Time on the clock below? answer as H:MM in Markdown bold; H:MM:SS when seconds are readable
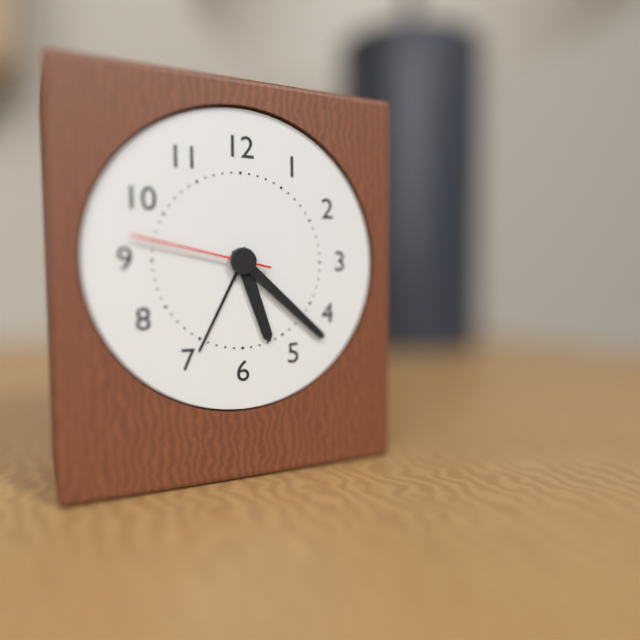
**5:22:47**
